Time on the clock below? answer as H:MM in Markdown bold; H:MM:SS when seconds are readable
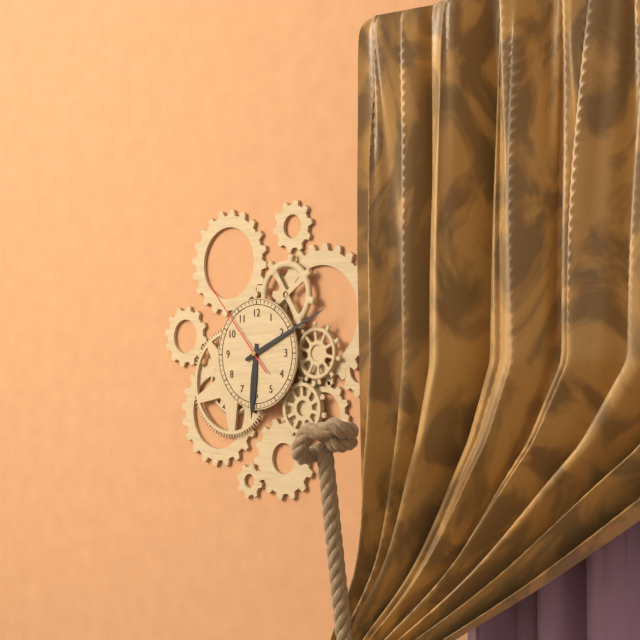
**6:11:53**
